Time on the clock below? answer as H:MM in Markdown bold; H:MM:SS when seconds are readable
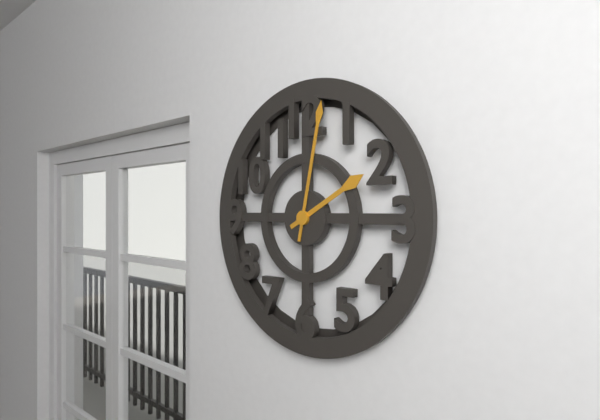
**2:02**
